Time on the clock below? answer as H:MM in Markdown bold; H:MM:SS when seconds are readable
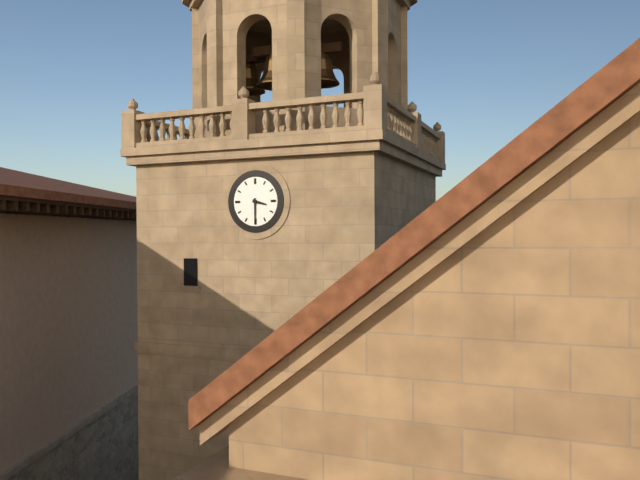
**3:30**
